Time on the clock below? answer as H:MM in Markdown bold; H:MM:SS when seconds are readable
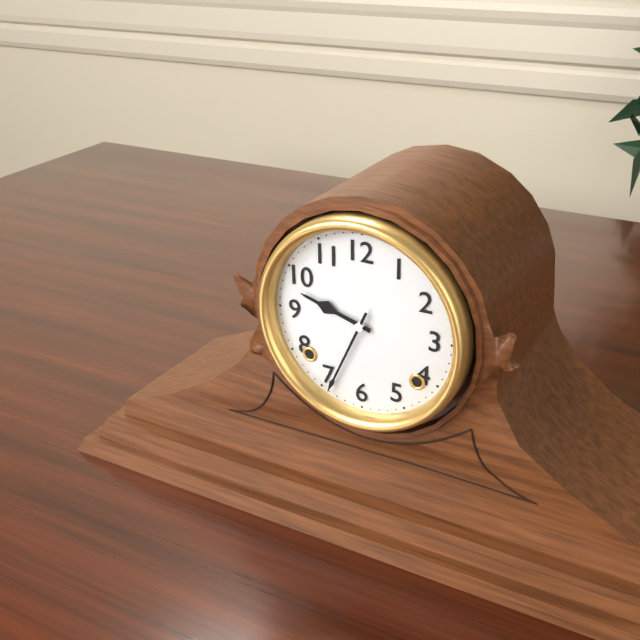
**9:34**
